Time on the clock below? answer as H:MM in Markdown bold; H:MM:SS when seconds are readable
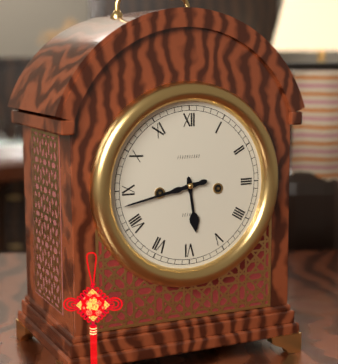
**5:43**
